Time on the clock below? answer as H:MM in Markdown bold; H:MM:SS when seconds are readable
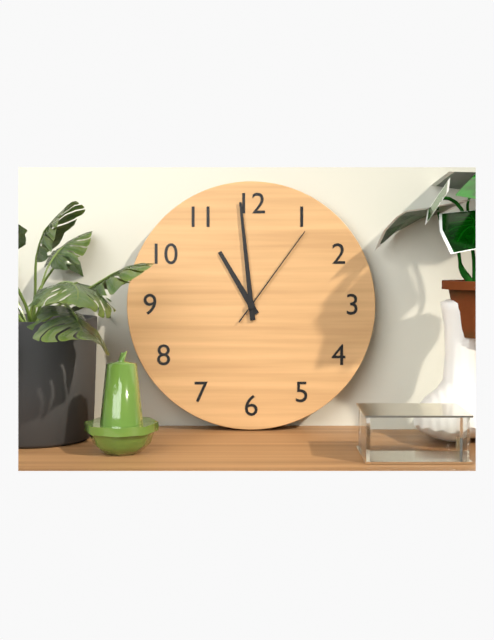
**10:59:06**
